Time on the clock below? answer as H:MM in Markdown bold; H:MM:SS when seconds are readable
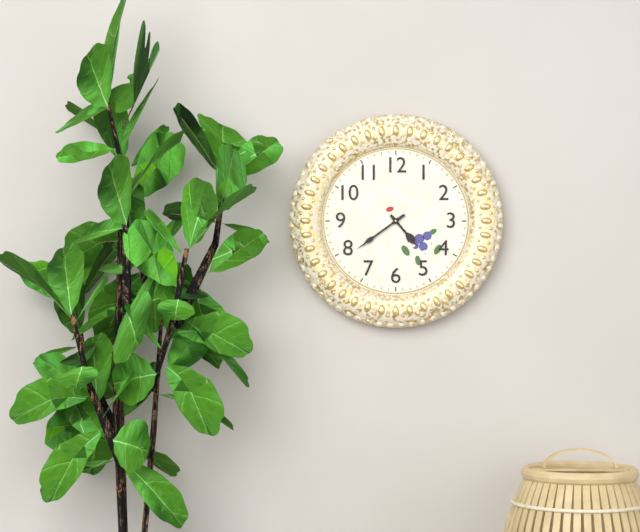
**4:39**
